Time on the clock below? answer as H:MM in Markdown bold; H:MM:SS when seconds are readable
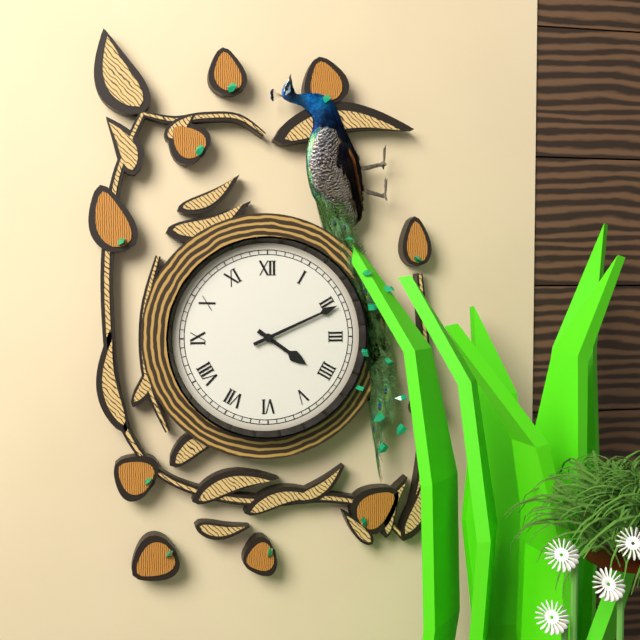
**4:11**
